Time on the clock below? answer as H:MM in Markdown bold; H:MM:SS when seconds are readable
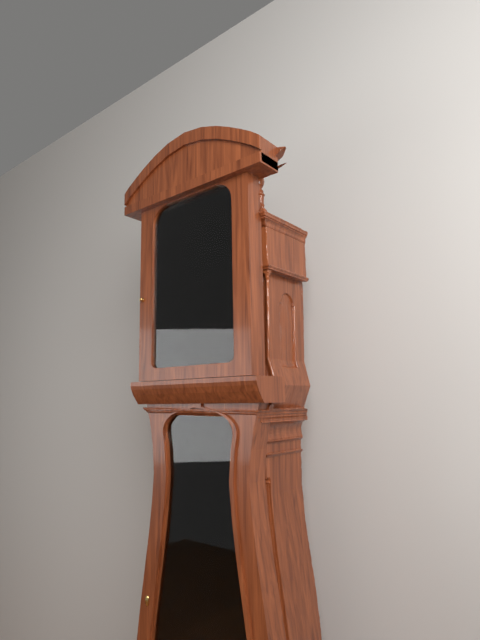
**7:57**
